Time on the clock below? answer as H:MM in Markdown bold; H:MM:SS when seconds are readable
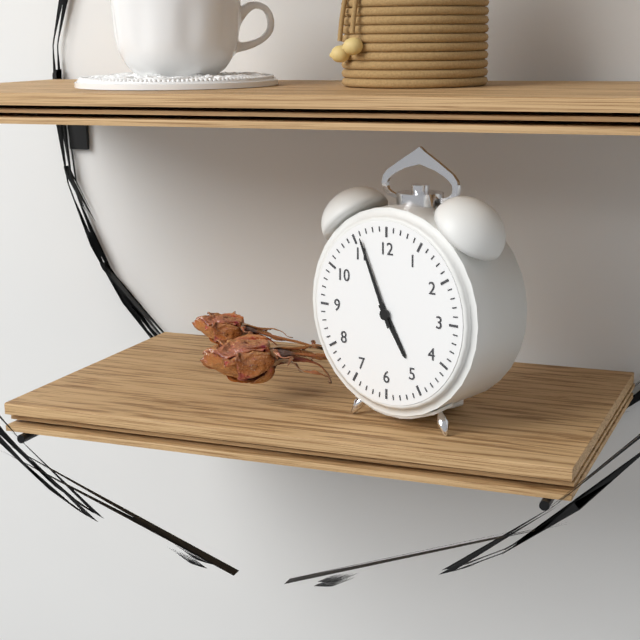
**4:56**
